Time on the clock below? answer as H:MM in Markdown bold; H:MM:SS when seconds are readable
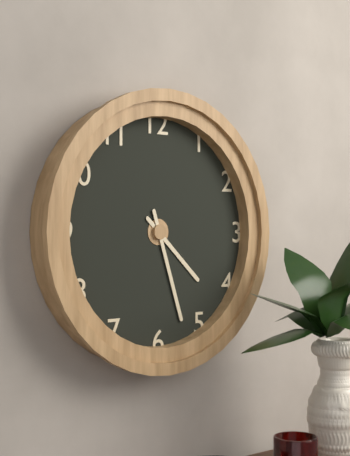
**4:27**
